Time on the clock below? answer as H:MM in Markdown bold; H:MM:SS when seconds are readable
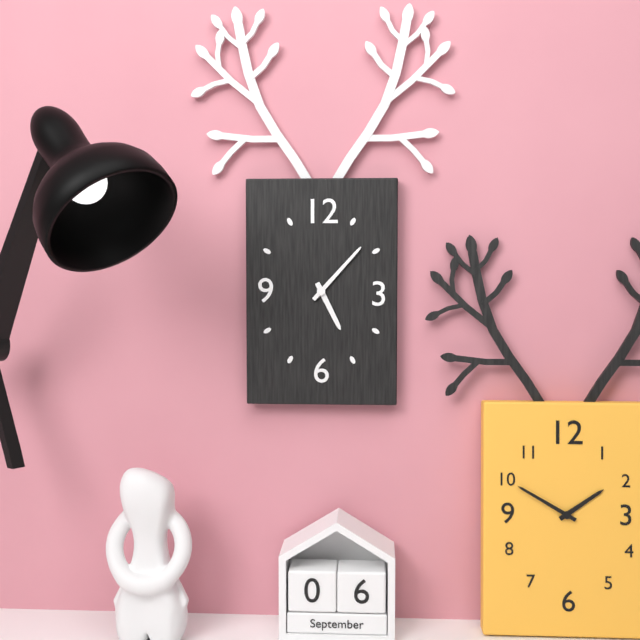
**5:07**
